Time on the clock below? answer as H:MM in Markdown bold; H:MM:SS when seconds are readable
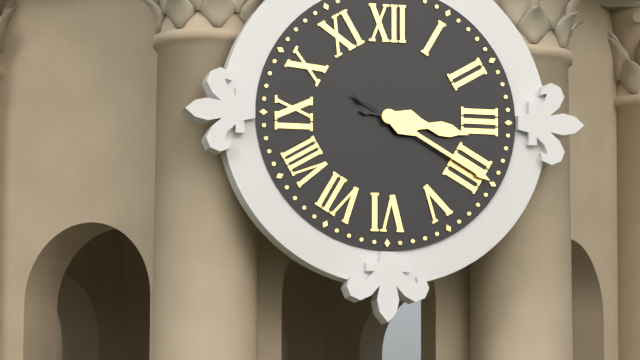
**3:20**
